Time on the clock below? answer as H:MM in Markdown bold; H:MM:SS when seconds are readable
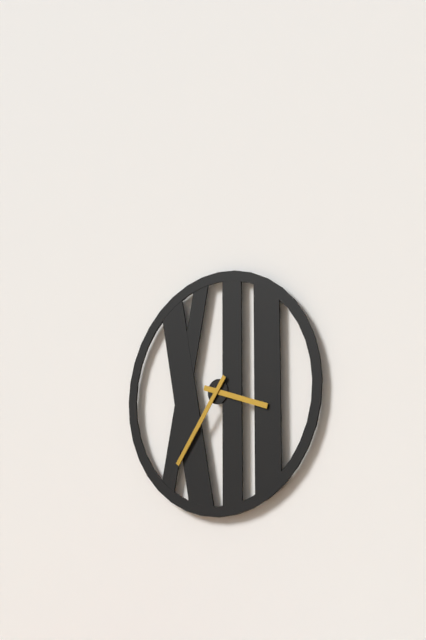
**3:36**
